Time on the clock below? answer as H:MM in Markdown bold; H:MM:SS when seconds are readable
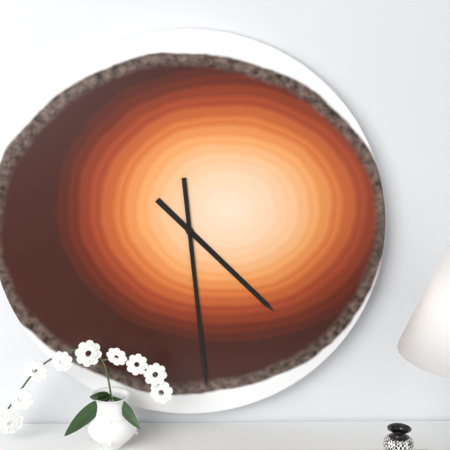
**4:29**
